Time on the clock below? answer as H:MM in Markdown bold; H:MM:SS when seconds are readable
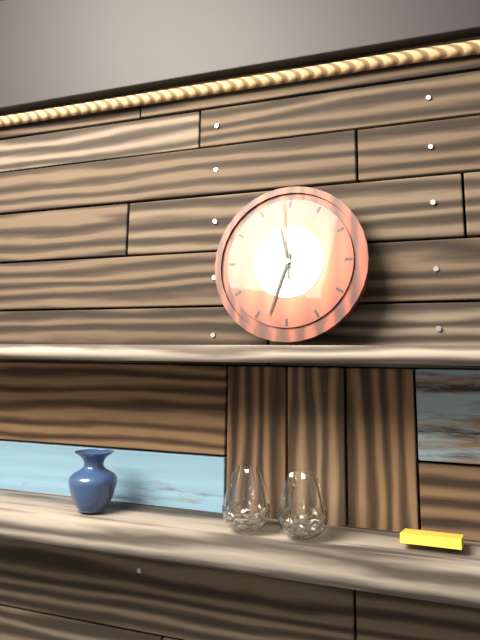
**11:33:59**
